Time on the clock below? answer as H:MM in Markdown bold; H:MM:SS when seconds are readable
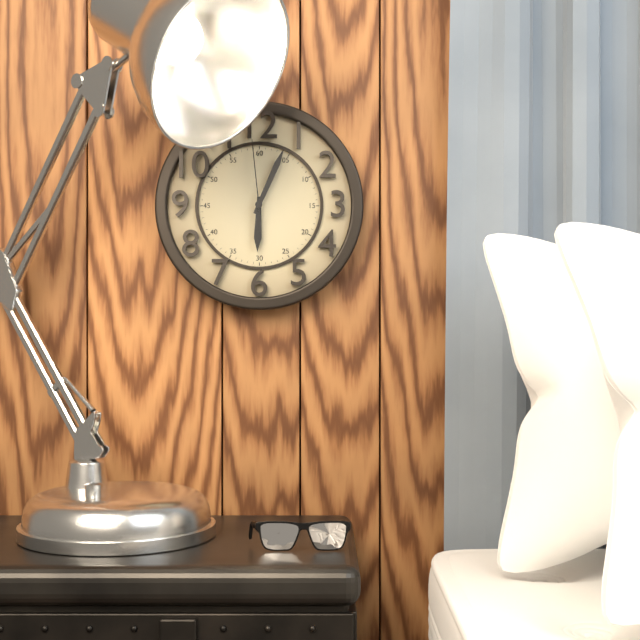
**6:04:59**
